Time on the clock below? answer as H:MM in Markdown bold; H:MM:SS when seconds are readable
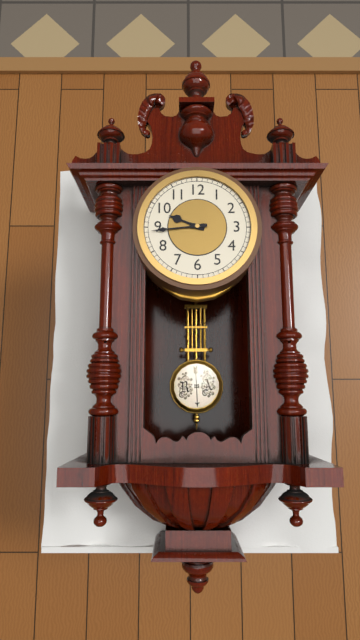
**9:44**
